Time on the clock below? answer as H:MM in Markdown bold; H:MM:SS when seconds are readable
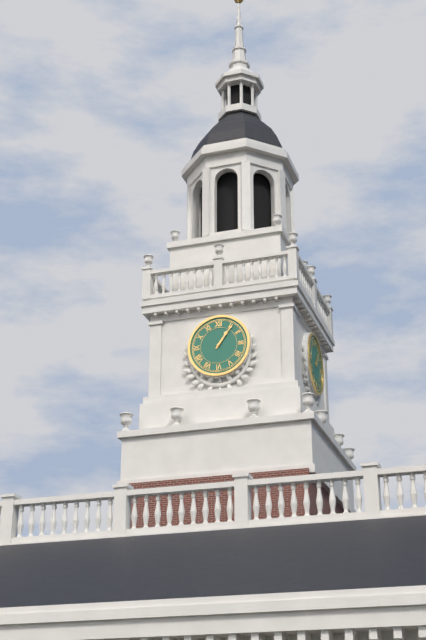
**1:06**
